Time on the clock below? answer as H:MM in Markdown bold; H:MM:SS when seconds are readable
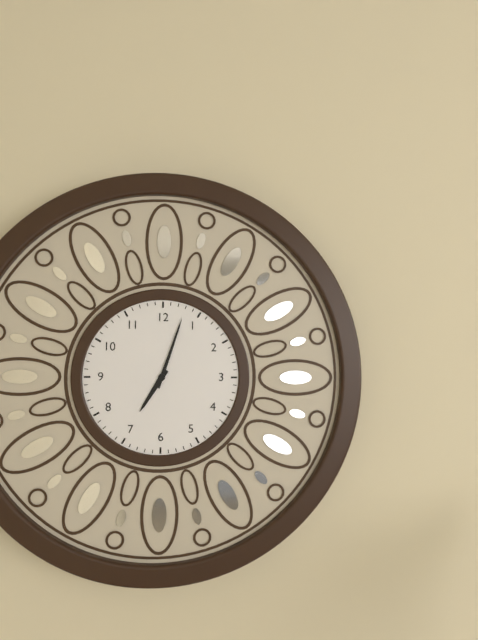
**7:03**
